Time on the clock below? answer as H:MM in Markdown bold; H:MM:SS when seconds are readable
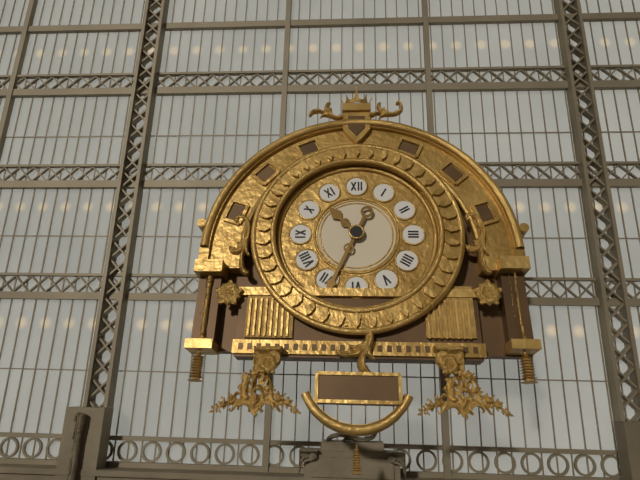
**10:34**
